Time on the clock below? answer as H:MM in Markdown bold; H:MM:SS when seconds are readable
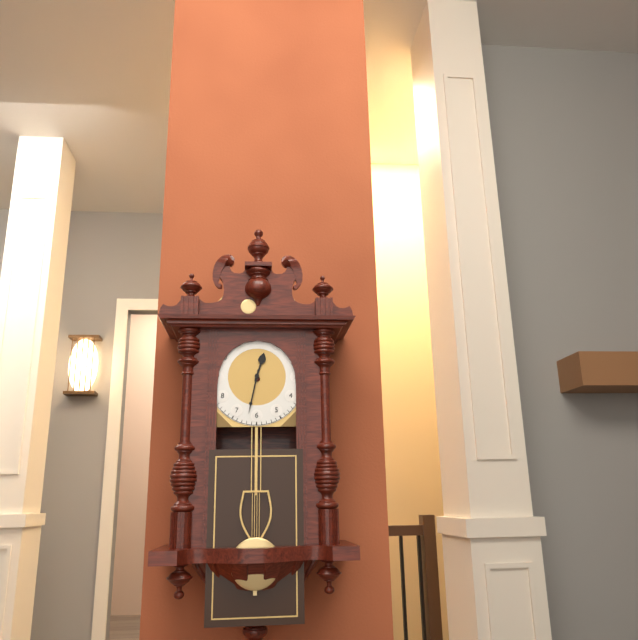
**12:32**
